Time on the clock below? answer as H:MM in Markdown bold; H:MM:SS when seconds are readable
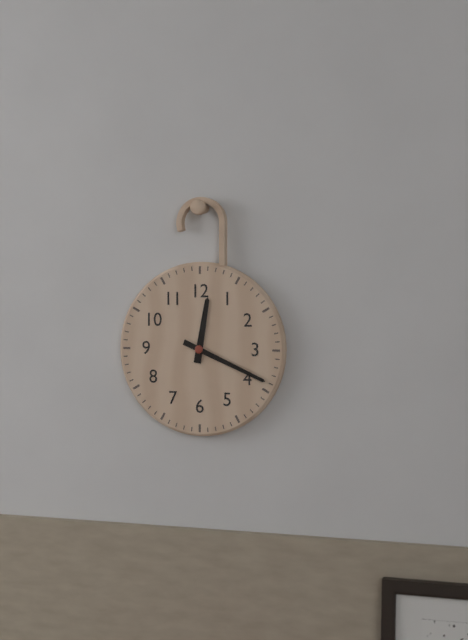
**12:19**
